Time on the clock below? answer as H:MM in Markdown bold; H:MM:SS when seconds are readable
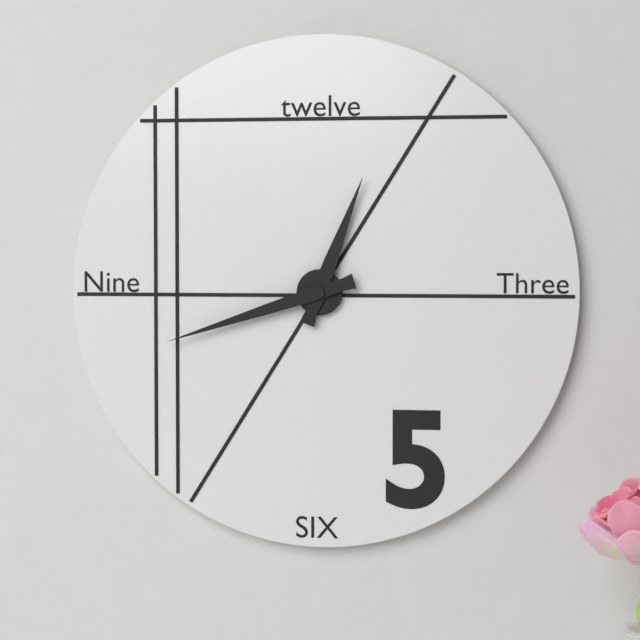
**12:42**
